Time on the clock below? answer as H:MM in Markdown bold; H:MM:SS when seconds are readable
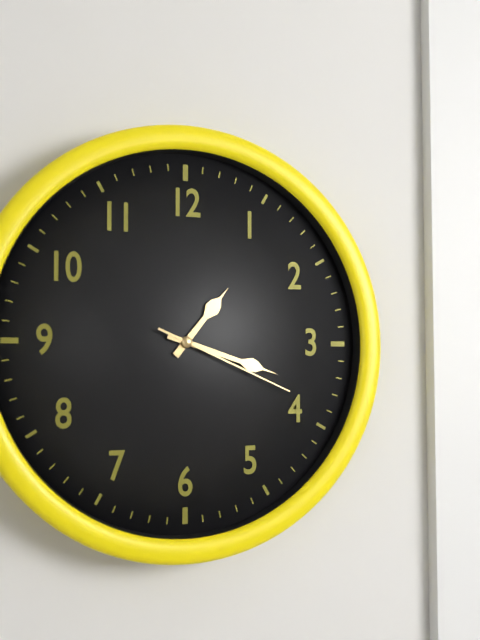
**1:18:19**
